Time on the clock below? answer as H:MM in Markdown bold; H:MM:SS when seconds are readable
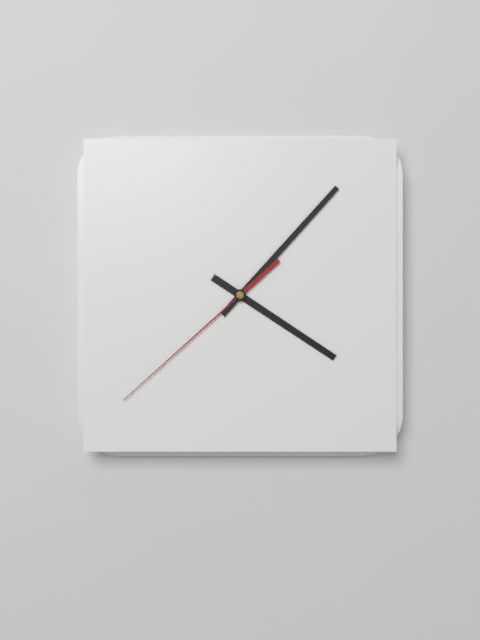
**4:07:38**
